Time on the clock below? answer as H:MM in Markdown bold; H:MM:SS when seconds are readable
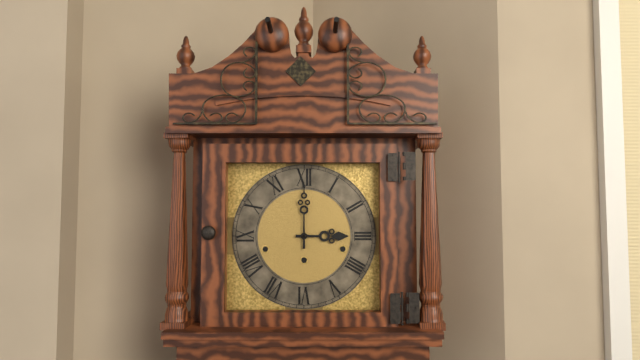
**3:00**
